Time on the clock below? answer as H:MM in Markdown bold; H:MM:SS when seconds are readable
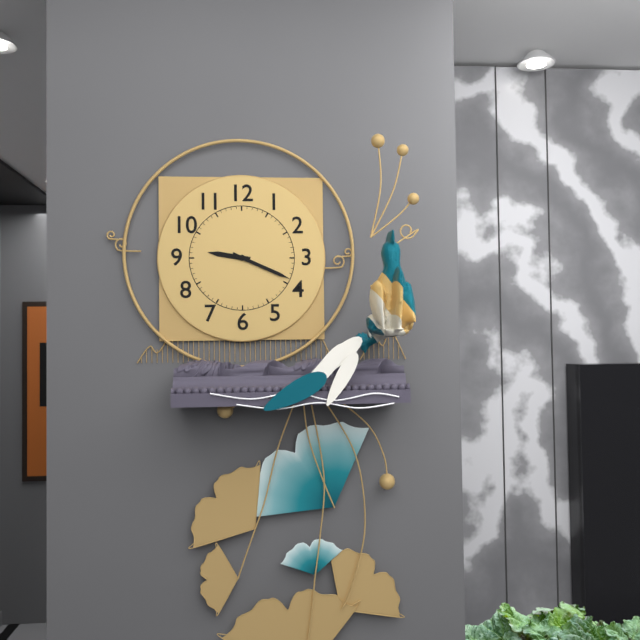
**9:19**
